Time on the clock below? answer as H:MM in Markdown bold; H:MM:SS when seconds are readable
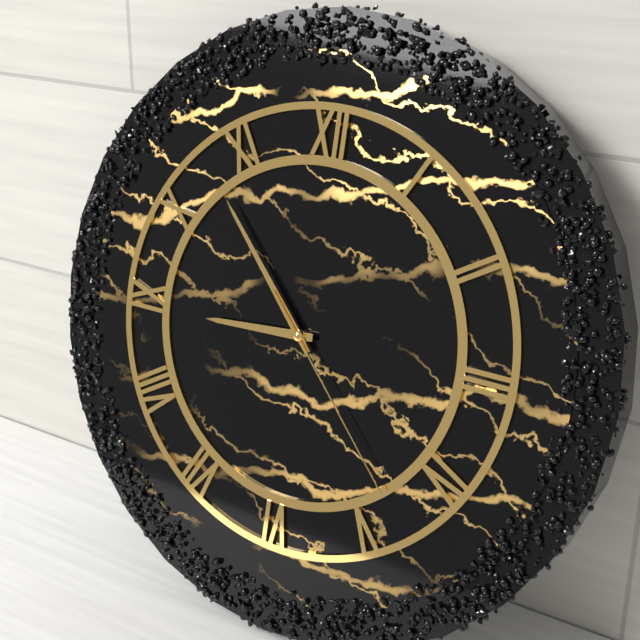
**8:53:23**
